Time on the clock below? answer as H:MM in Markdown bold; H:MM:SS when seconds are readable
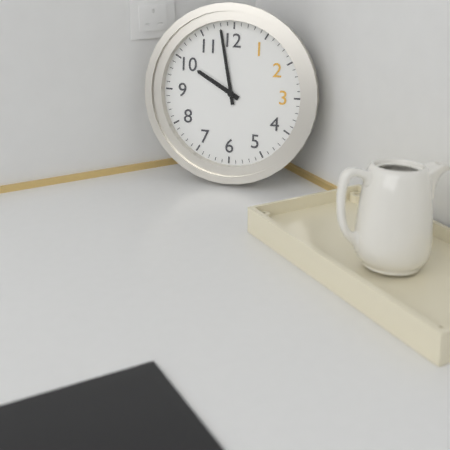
**9:58**
